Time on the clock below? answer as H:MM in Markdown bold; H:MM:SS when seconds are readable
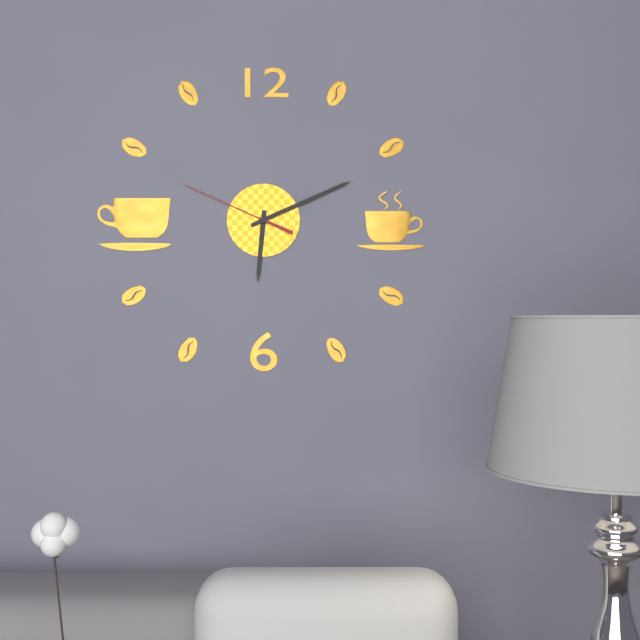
**6:11:49**
